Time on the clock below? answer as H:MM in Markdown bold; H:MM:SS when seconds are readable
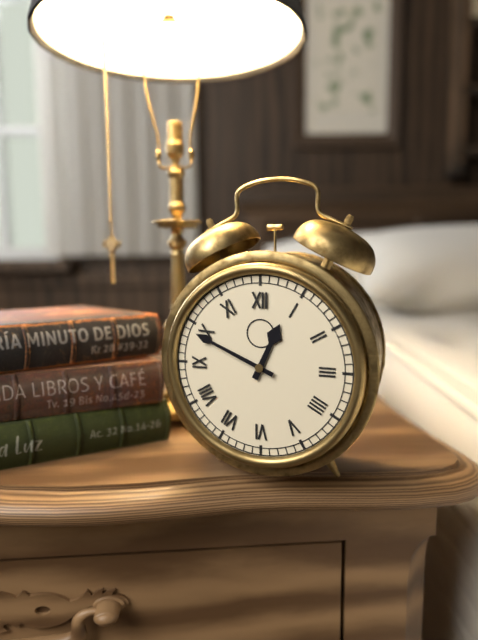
**12:49**
